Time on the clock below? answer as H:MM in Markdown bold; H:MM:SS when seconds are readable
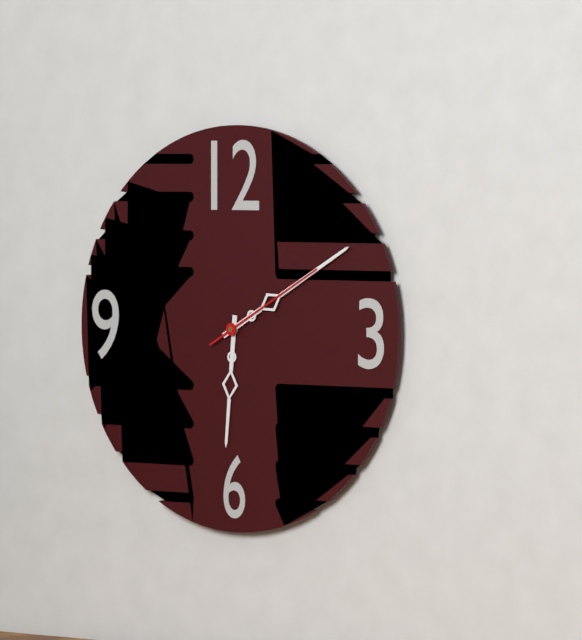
**6:10:10**
